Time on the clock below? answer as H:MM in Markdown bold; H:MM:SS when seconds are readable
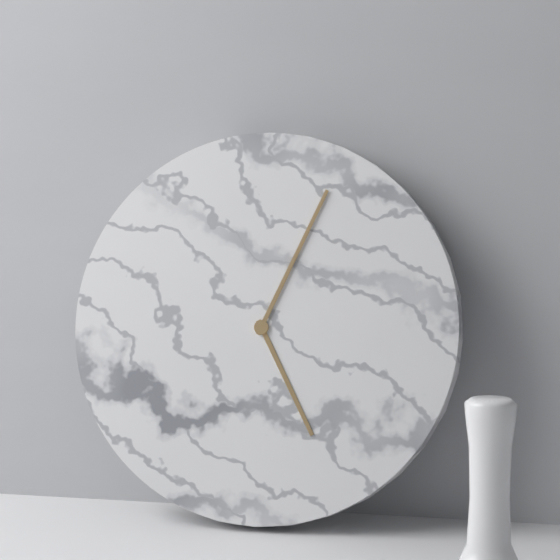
**5:04**
